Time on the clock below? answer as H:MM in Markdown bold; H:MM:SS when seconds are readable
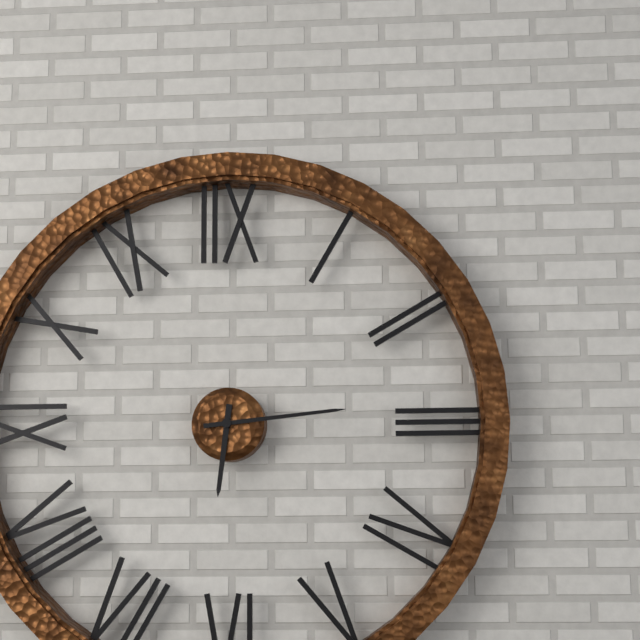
**6:14**
